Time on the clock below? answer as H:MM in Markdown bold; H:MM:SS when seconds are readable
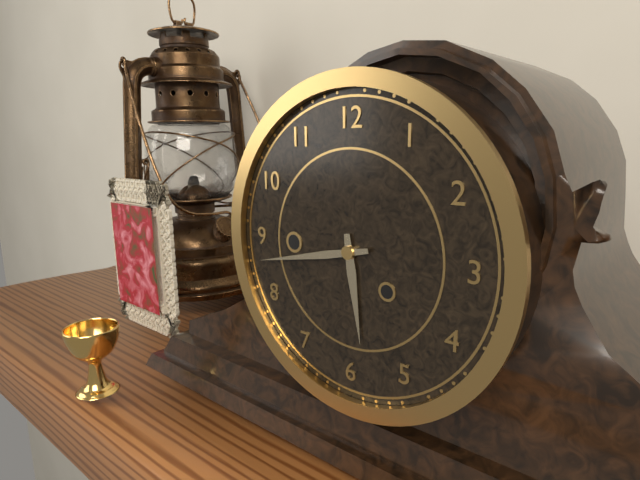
**5:43**
